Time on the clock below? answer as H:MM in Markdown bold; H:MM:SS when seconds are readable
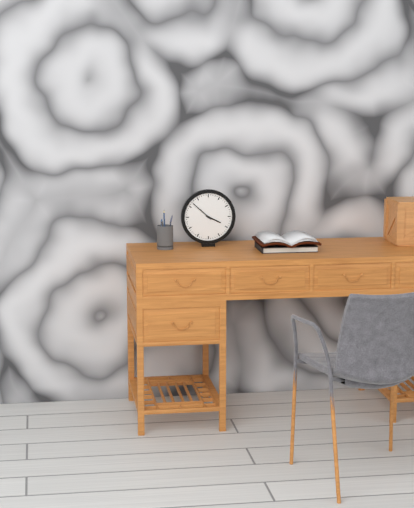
**3:52**
